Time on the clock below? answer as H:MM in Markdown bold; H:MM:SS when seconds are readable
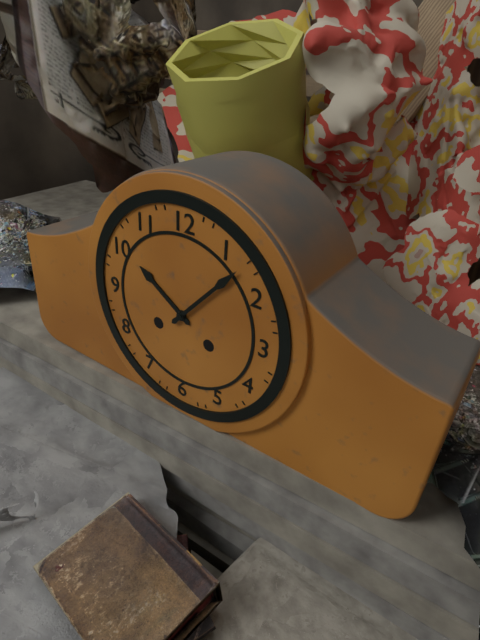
**10:07**
